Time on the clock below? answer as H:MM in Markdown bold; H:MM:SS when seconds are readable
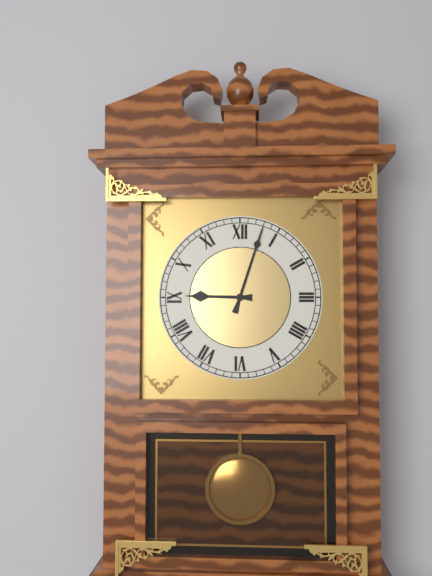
**9:03**
